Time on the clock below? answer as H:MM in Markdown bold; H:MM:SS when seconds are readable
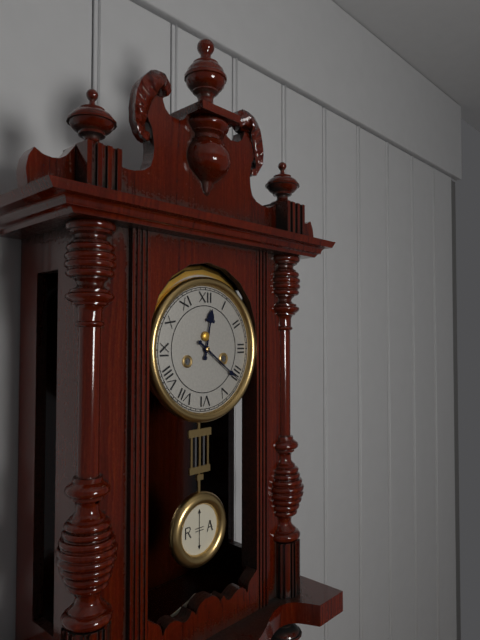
**12:21**
